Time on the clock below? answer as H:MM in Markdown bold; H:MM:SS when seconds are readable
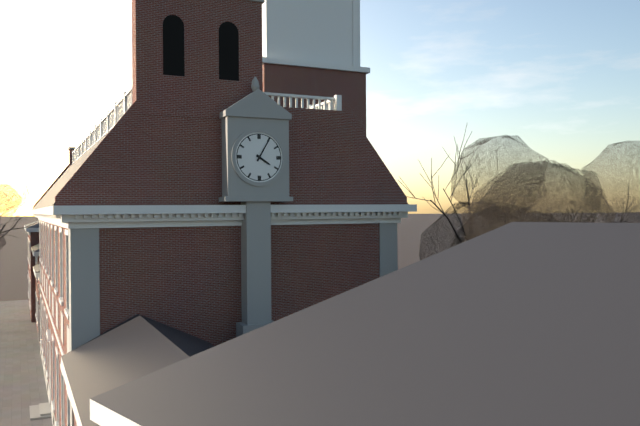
**4:05**
